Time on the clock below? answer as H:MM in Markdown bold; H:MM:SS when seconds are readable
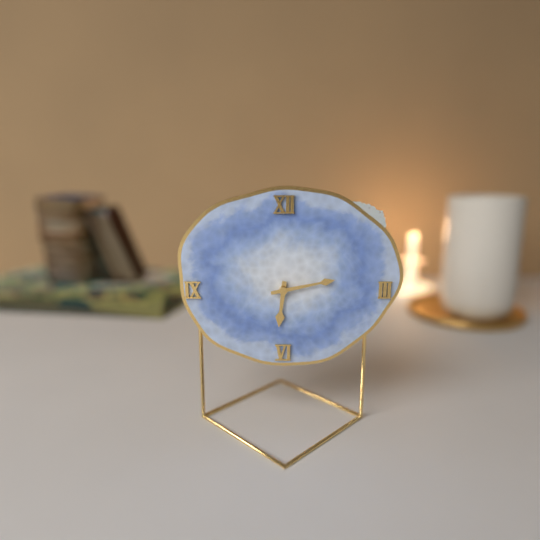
**6:13**
